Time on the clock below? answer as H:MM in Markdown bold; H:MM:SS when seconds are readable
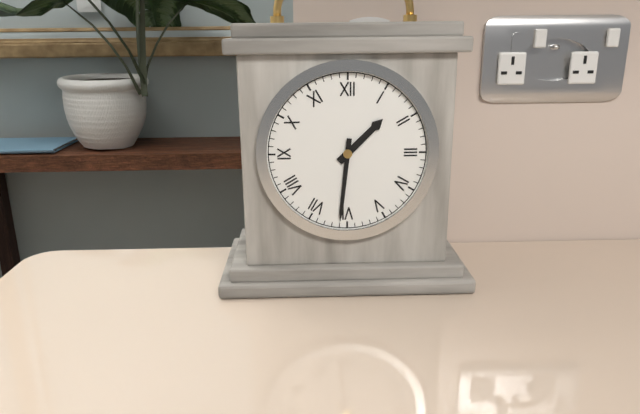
**1:31**
